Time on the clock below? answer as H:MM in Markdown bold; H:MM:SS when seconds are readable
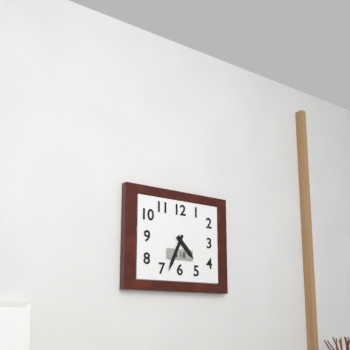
**4:34**
